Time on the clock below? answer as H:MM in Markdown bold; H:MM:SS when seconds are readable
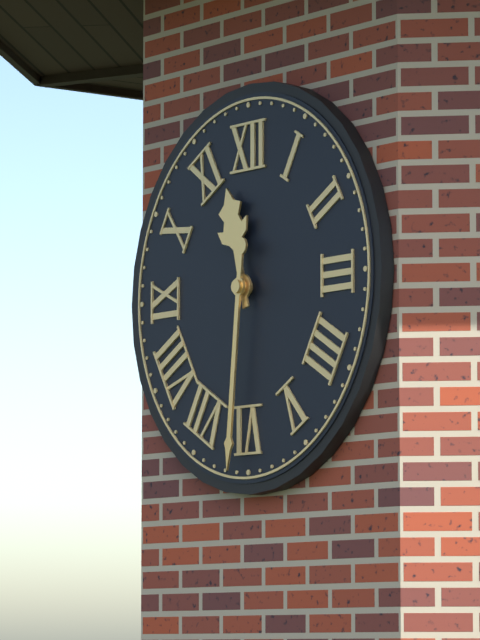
**11:31**
